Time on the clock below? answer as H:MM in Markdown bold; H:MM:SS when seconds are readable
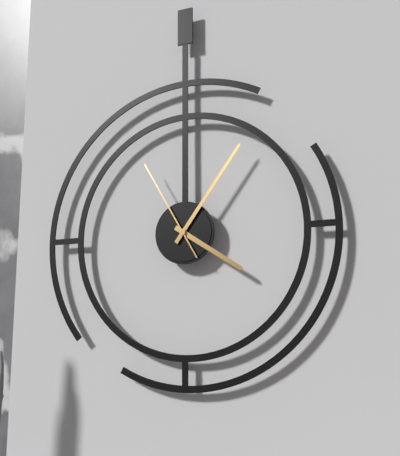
**4:06:55**
